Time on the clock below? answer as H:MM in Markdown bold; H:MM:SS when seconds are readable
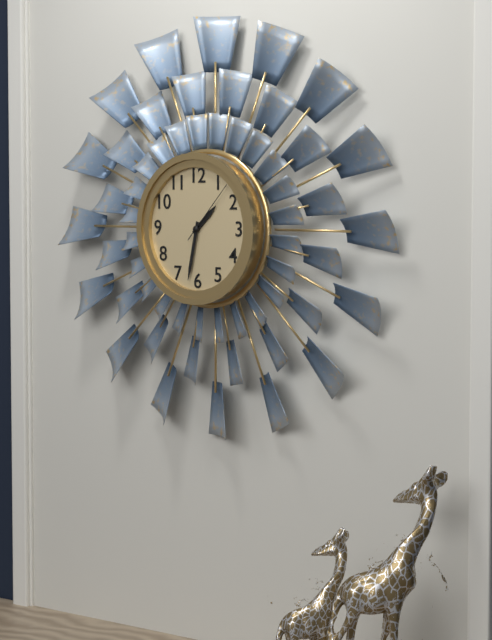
**1:32:07**
